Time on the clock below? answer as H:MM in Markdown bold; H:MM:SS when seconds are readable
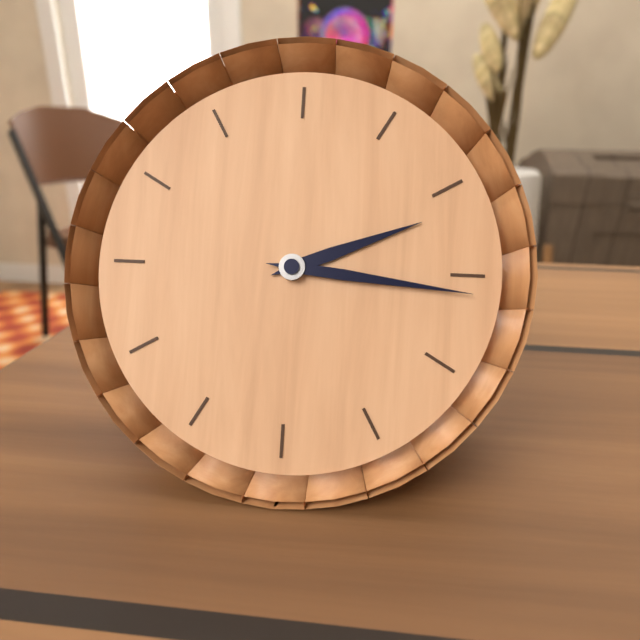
**2:16**
